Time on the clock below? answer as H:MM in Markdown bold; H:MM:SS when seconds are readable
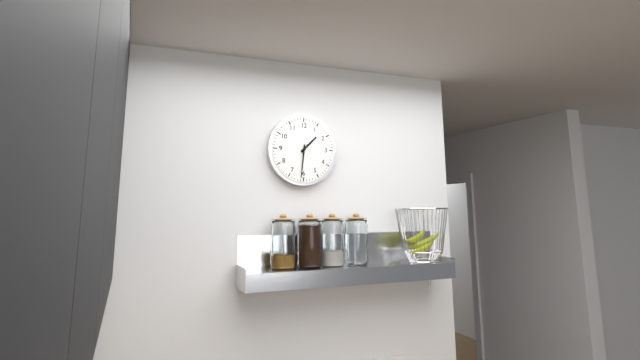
**1:31**
